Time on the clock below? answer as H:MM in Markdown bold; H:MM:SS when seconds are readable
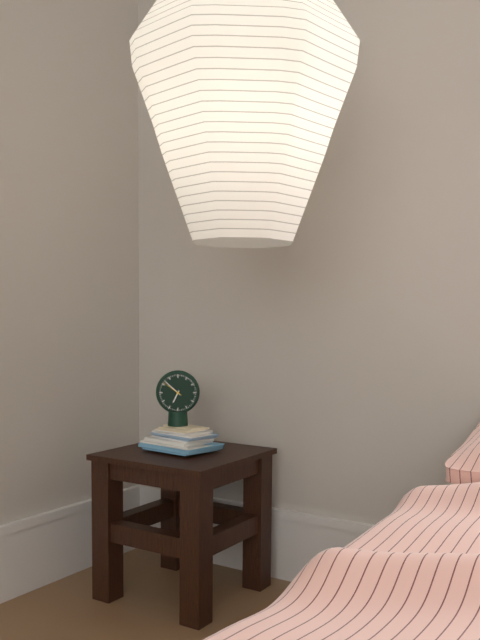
**6:52**
